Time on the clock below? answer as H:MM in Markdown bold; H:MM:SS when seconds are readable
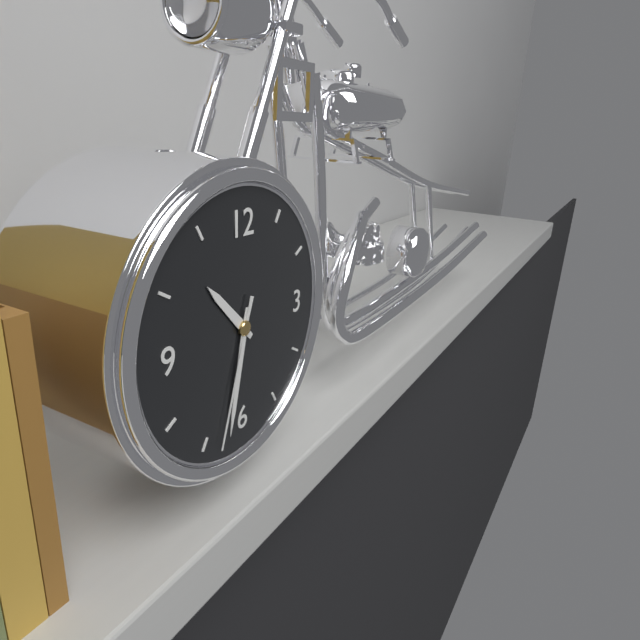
**10:32:33**
